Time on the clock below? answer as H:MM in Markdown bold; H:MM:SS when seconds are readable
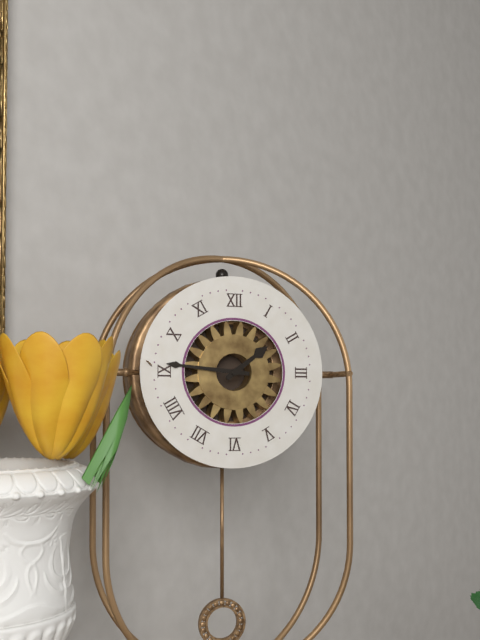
**1:46**
